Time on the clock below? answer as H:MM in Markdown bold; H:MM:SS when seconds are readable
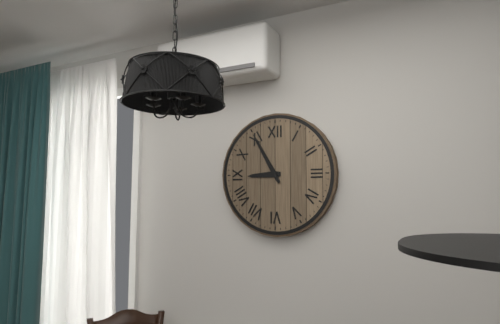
**8:55**
